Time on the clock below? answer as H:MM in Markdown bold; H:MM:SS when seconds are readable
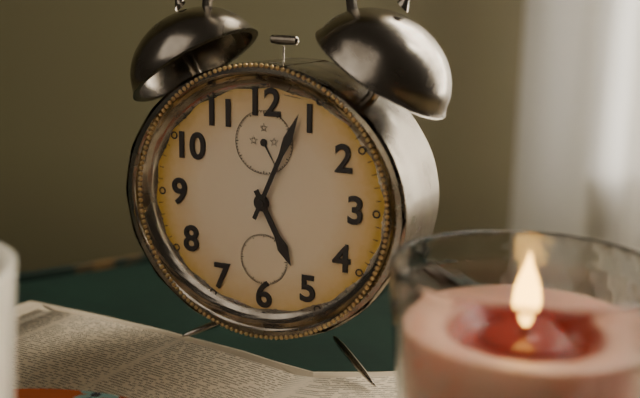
**5:04**
